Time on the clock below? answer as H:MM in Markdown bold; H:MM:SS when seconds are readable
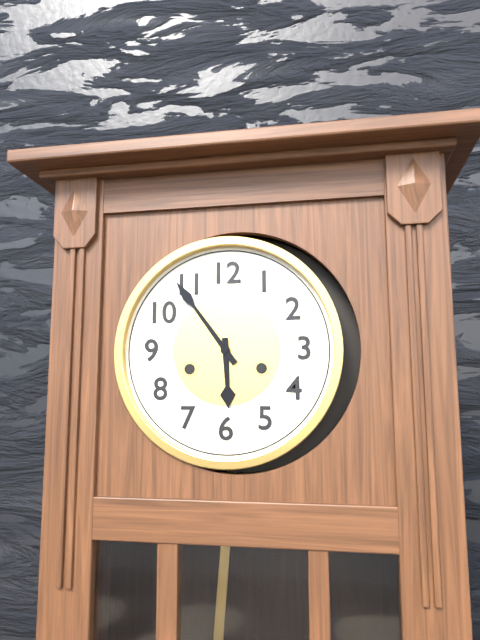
**5:54**
